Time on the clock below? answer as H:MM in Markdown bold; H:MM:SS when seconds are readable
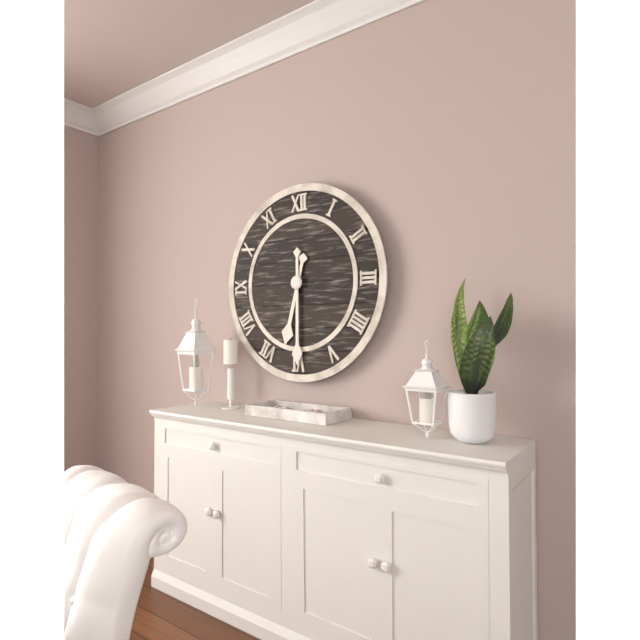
**6:30**
